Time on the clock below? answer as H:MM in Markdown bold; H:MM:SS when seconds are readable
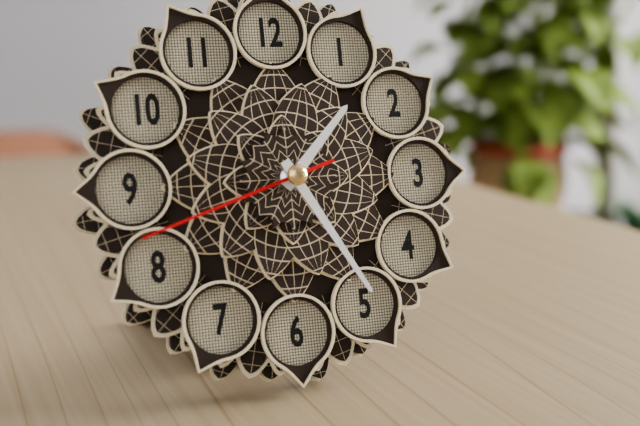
**1:25:42**
